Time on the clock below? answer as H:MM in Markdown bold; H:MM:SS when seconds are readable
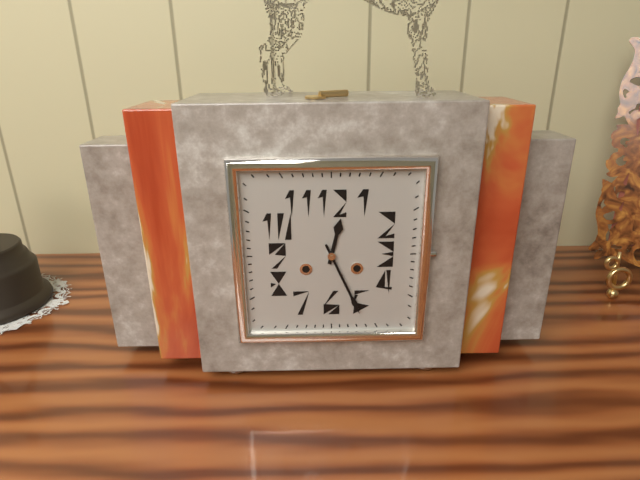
**12:26**
